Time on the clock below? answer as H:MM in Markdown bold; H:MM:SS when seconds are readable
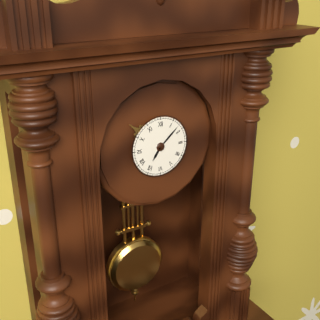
**7:08**
